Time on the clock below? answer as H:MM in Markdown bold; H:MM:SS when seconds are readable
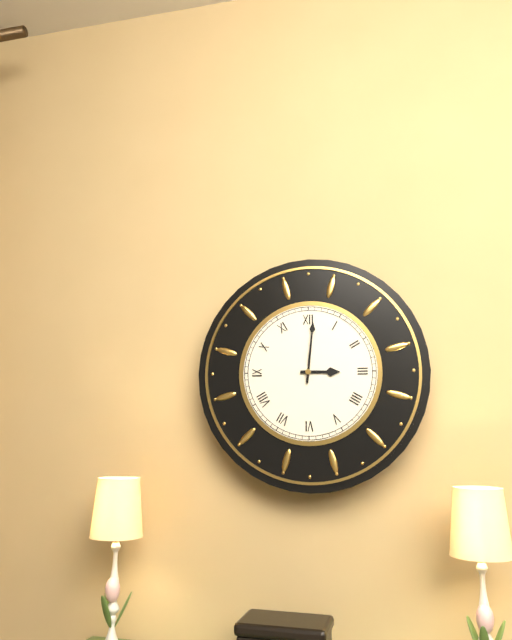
**3:01**
